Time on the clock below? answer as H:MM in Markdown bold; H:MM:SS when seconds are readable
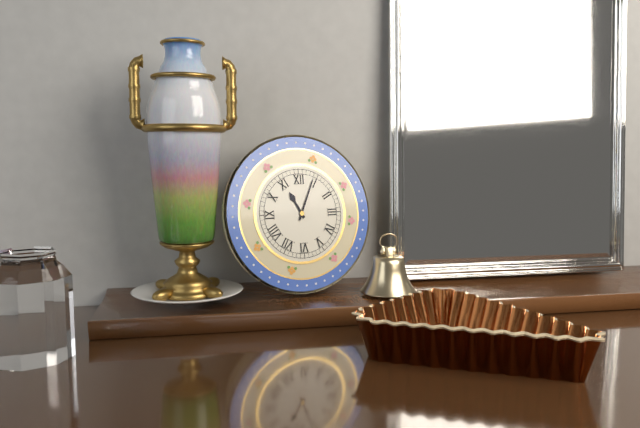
**11:04**
